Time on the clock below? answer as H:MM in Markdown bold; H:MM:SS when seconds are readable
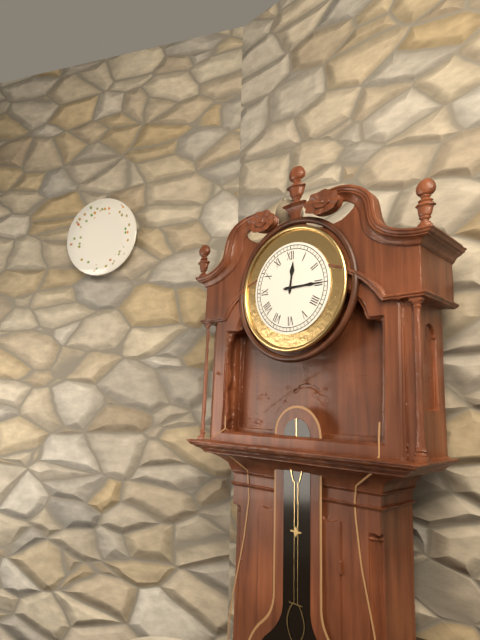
**12:15**
